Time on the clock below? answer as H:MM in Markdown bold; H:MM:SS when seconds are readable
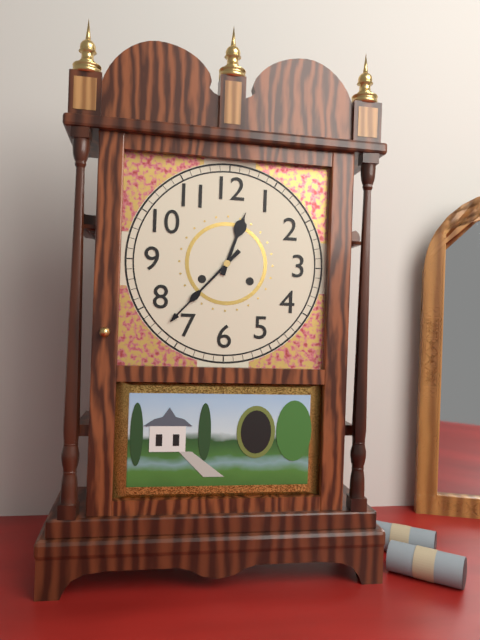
**12:37**
